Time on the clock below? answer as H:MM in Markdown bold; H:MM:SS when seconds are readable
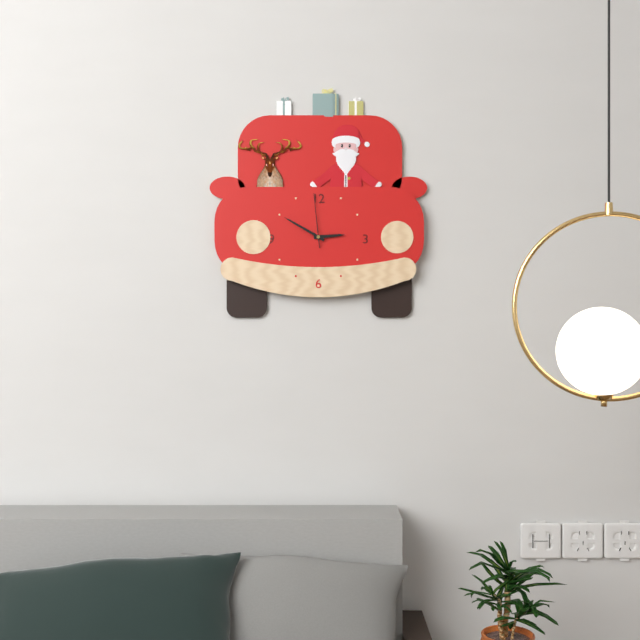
**2:50:59**
